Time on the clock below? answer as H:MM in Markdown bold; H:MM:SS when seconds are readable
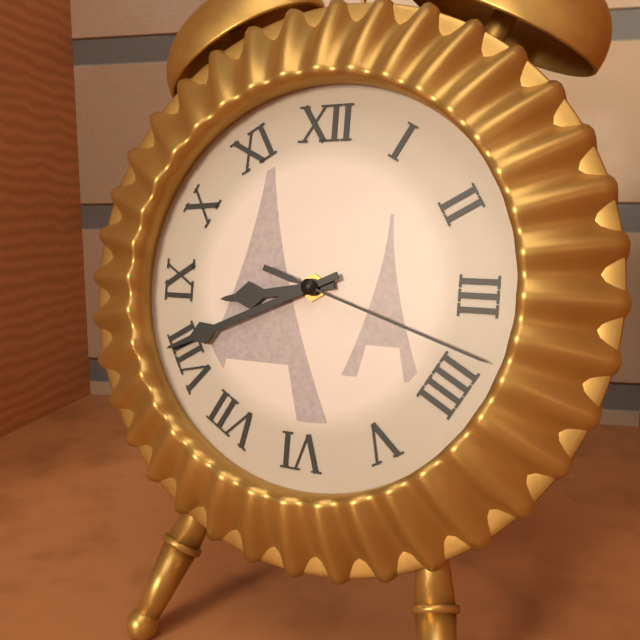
**8:41:18**
